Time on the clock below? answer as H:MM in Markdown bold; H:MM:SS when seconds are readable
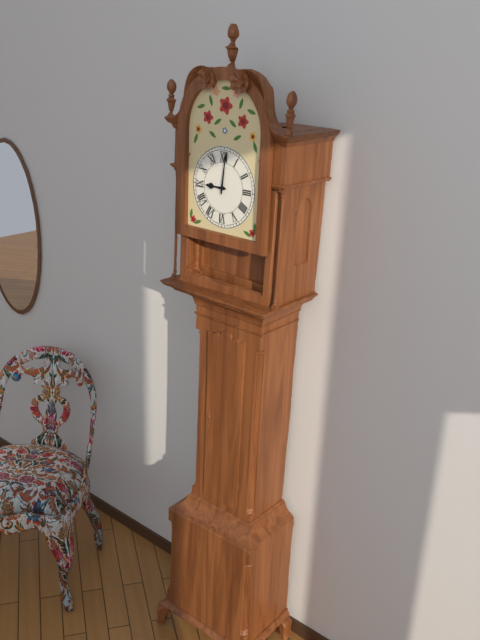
**9:01**
